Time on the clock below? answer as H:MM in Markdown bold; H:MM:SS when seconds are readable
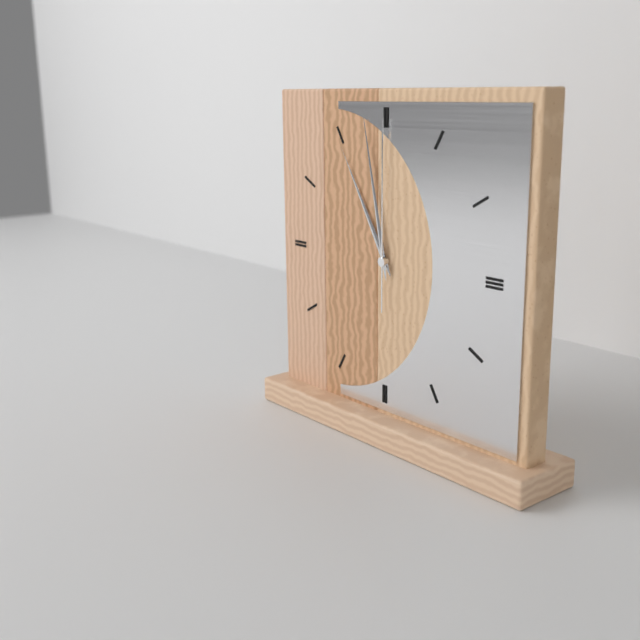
**10:58:00**
